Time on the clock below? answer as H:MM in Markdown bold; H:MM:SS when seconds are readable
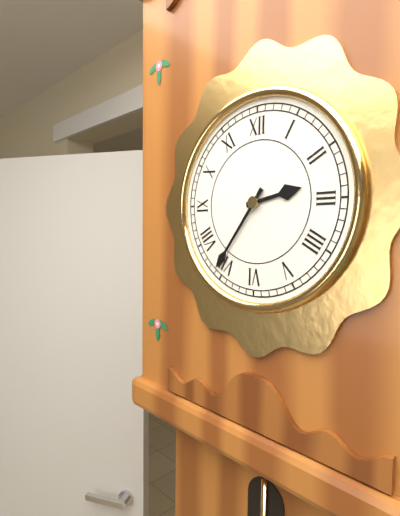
**2:36**
